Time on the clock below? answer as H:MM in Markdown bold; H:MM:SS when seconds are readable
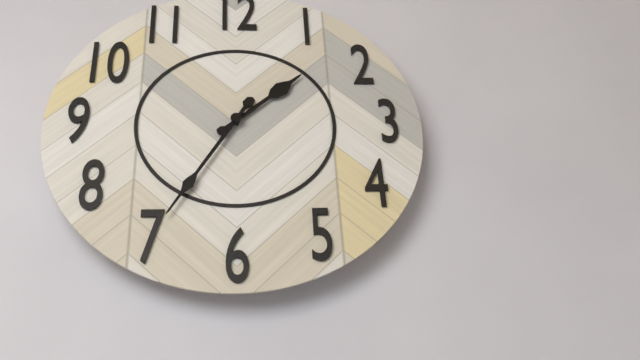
**1:35**
